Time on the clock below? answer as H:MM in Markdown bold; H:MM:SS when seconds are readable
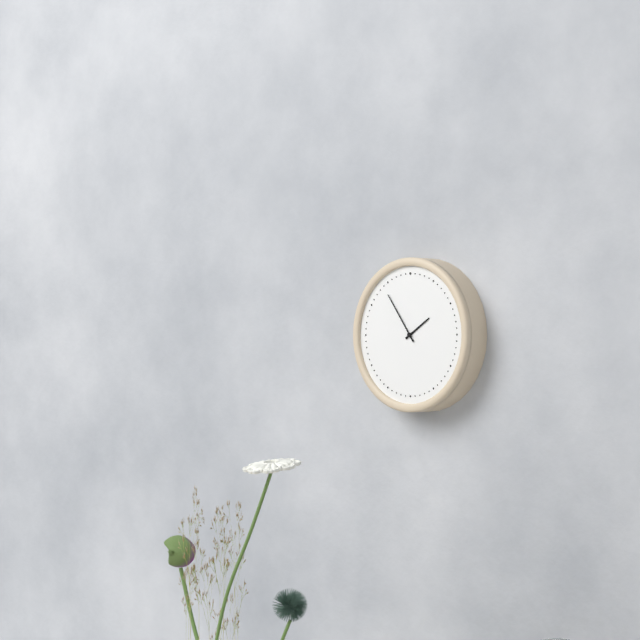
**1:54**
